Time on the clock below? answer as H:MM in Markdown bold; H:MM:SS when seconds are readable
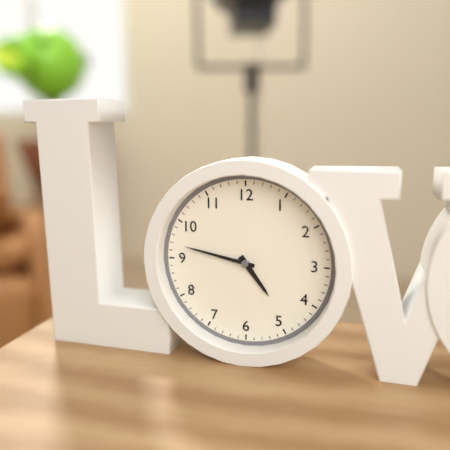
**4:47**
